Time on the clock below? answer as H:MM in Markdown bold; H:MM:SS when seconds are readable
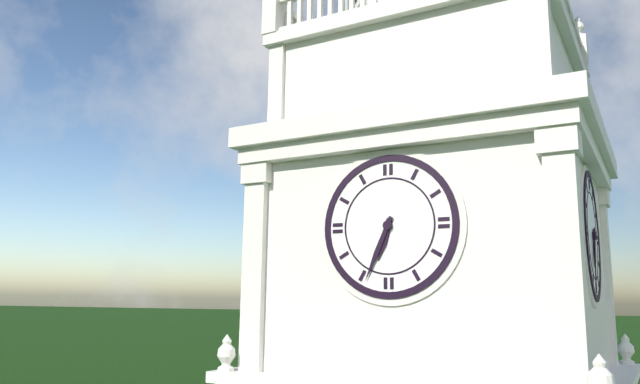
**6:34**
